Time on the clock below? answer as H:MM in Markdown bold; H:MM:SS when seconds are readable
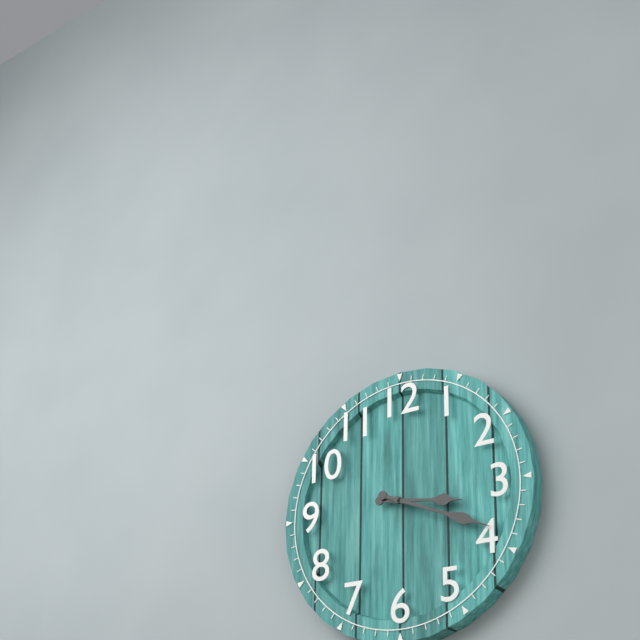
**3:19**
